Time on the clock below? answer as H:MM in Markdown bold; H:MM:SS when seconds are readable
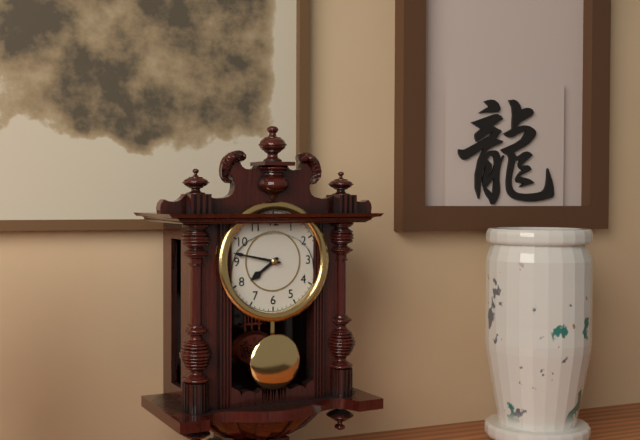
**7:47**
